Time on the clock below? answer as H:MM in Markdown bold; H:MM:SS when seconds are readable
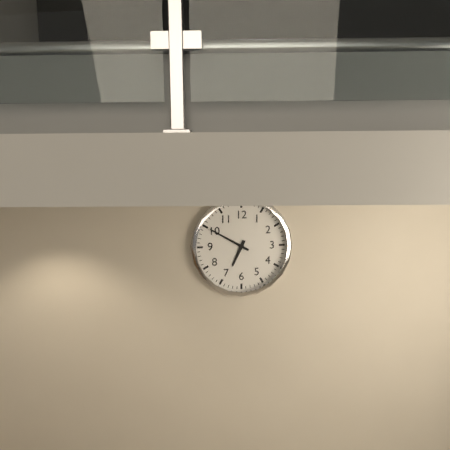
**6:50**
